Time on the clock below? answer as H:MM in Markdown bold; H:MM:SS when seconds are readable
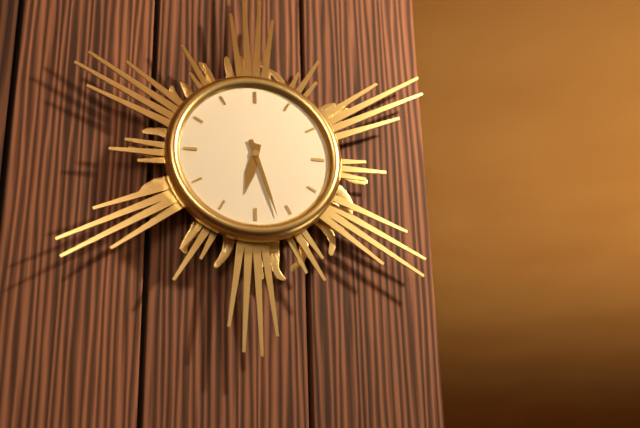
**6:27**
